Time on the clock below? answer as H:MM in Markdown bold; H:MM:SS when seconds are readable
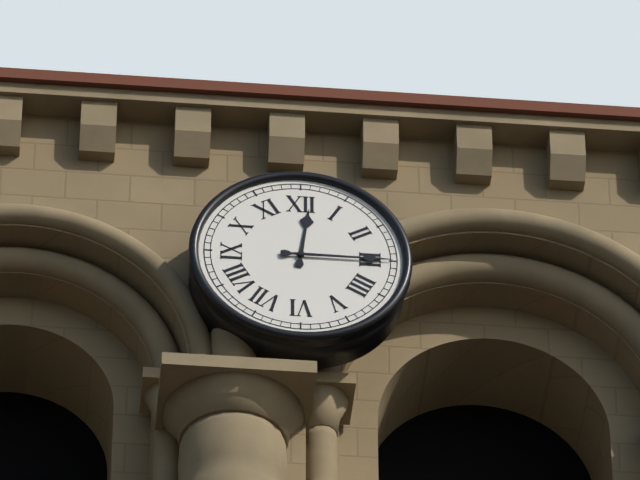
**12:15**
